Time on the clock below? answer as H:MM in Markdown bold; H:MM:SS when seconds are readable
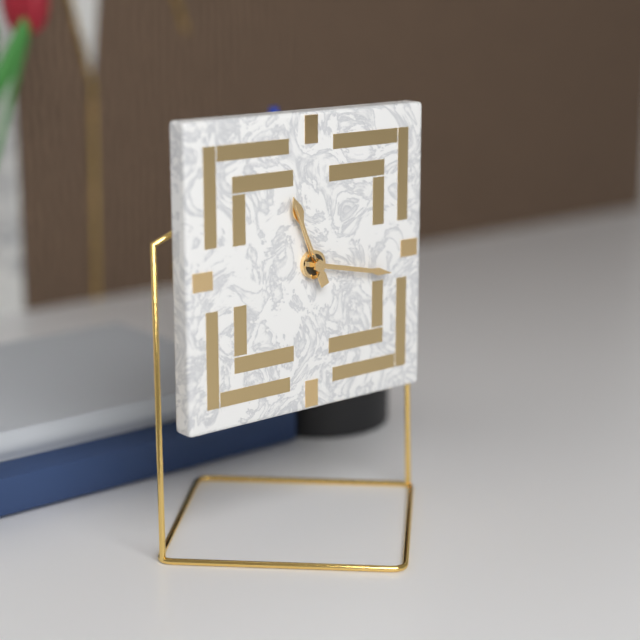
**11:17:56**
